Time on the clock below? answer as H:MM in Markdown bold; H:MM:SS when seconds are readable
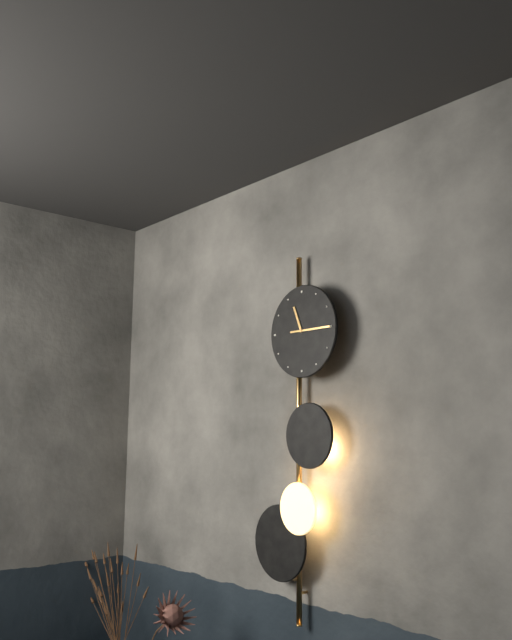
**11:15**
